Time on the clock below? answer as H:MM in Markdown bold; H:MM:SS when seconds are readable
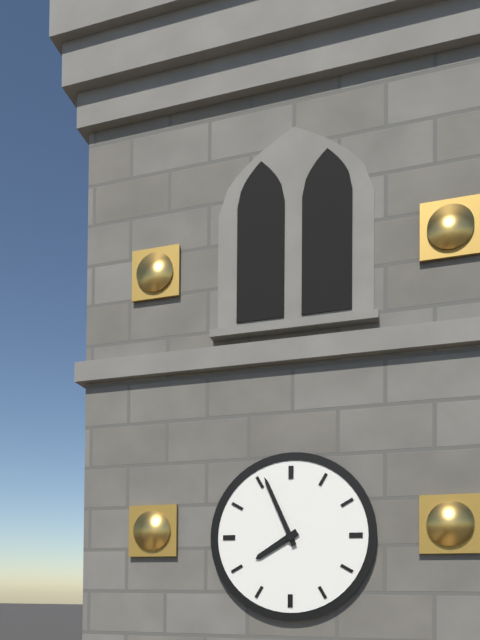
**7:56**
